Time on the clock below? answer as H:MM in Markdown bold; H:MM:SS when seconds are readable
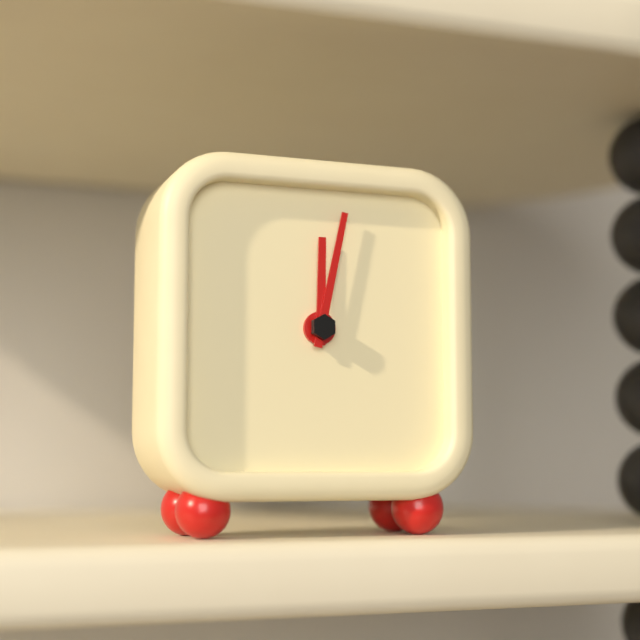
**12:02**
